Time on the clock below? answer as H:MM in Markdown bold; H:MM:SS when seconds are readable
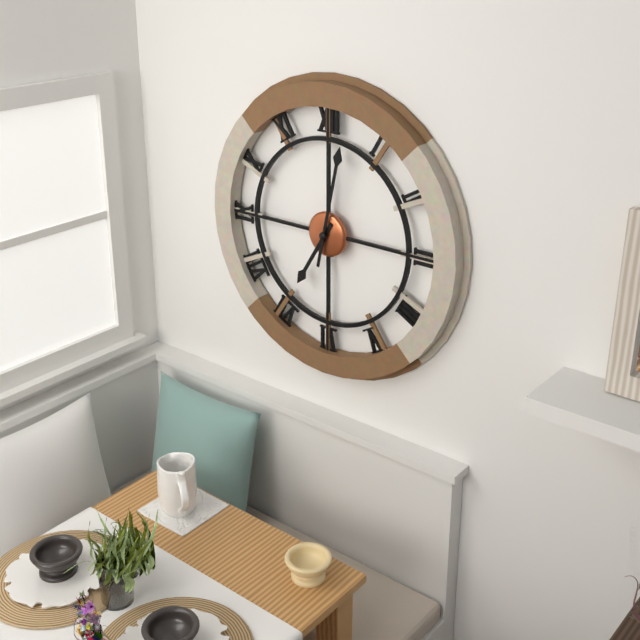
**7:02**
